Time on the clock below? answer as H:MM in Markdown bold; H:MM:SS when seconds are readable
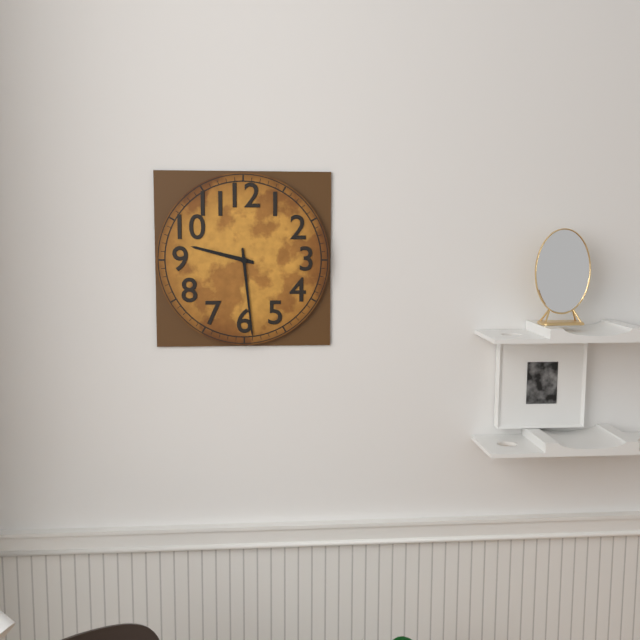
**9:29**
